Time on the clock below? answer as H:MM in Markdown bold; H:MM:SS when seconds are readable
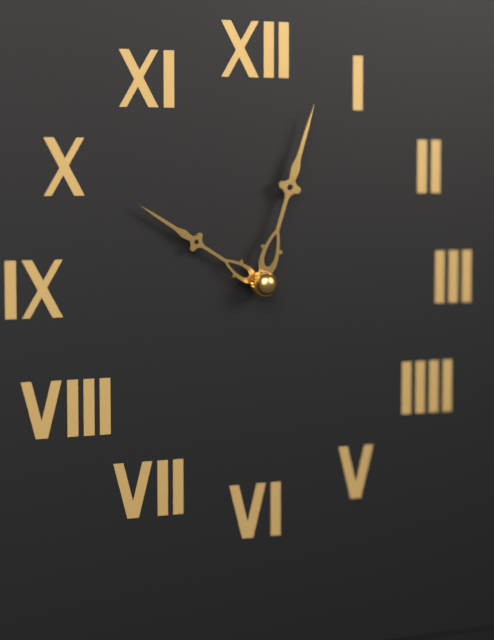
**10:03**
